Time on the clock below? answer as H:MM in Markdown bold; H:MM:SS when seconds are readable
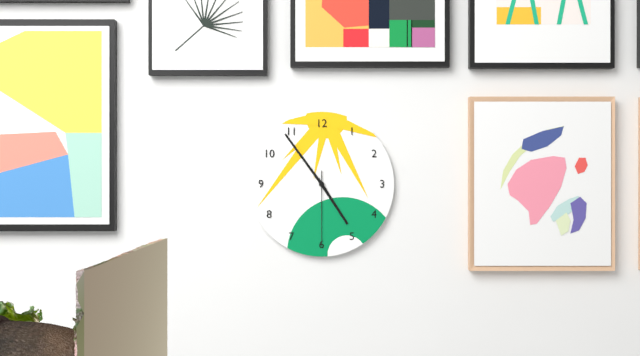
**4:54:30**
